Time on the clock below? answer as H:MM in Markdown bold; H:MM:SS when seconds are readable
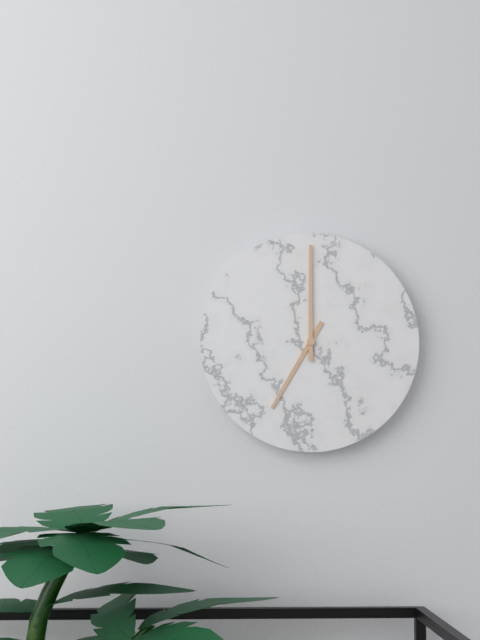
**7:00**
